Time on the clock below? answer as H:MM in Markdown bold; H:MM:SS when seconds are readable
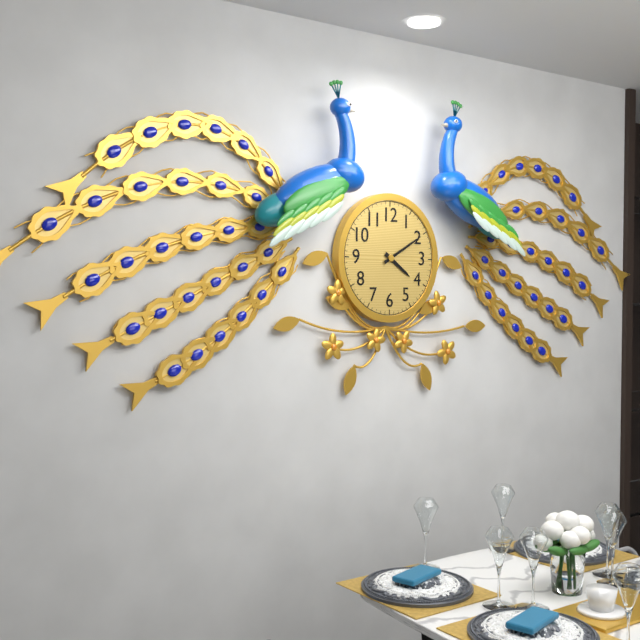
**4:10**
